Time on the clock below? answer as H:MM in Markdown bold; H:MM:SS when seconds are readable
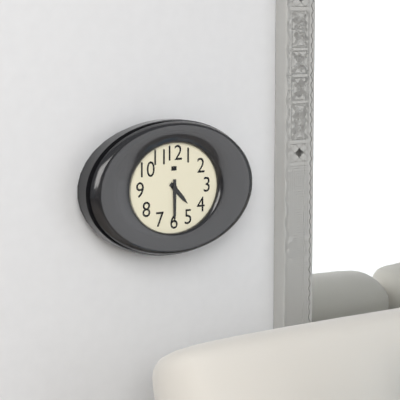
**4:30**
